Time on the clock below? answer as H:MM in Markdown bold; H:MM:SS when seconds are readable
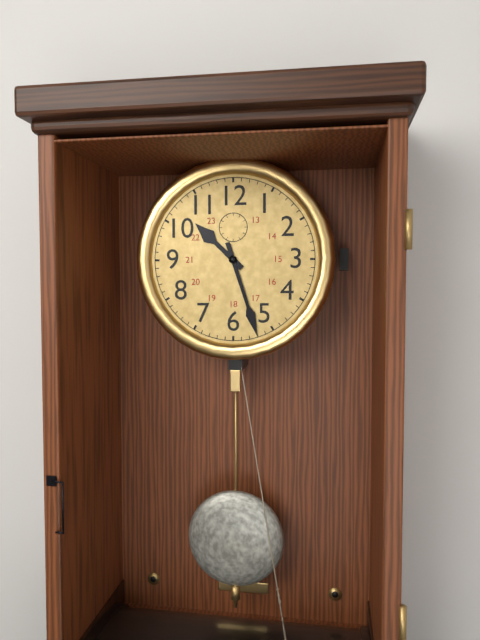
**10:27**
